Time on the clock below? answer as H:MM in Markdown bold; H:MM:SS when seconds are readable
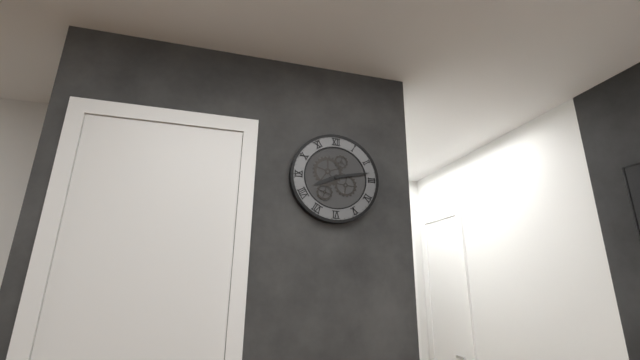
**8:13**
